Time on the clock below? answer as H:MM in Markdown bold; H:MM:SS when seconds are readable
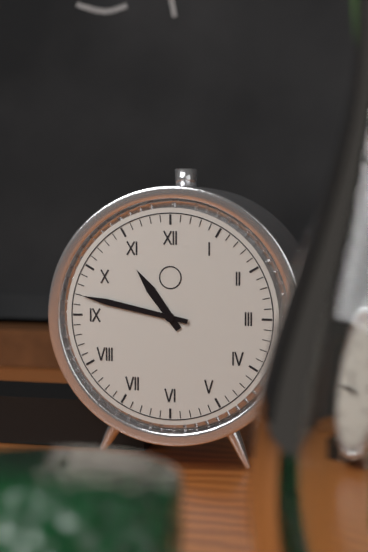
**10:47**
